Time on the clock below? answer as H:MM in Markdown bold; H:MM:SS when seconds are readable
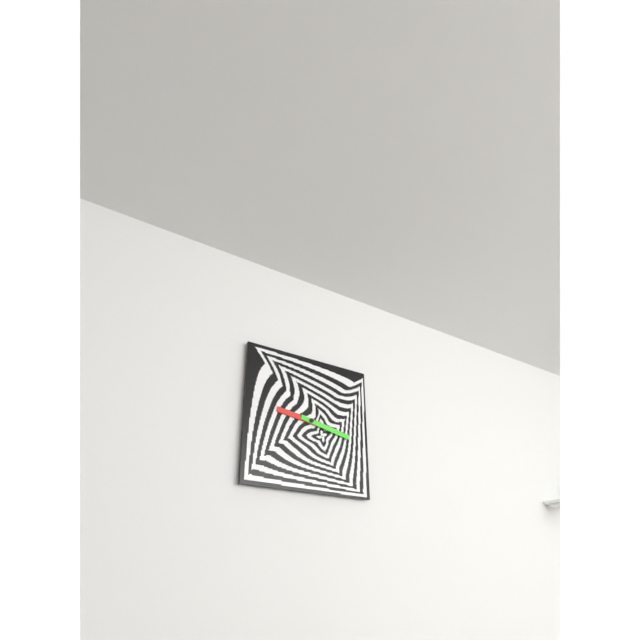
**9:17**
